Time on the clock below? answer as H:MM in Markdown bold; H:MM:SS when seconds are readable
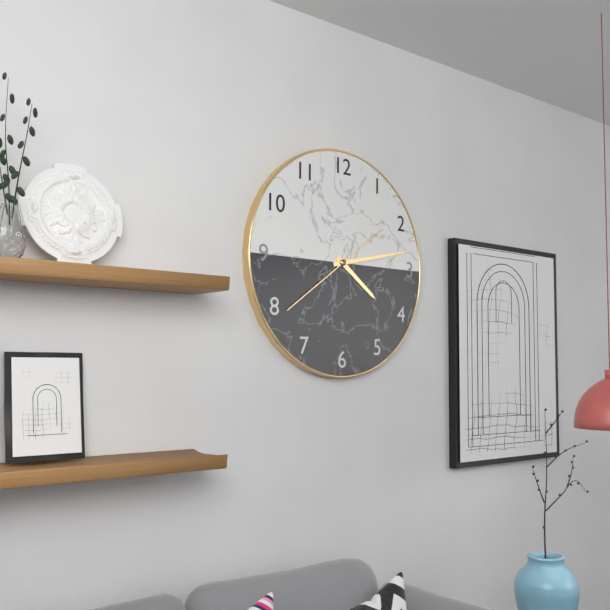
**4:13:39**
